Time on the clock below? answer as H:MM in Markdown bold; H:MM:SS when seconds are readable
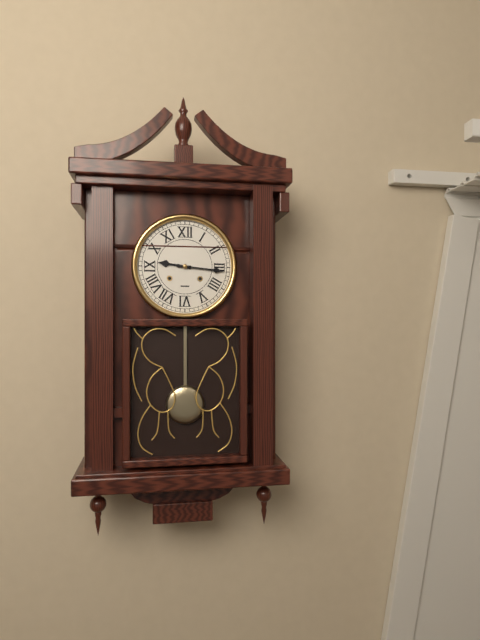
**9:16**
